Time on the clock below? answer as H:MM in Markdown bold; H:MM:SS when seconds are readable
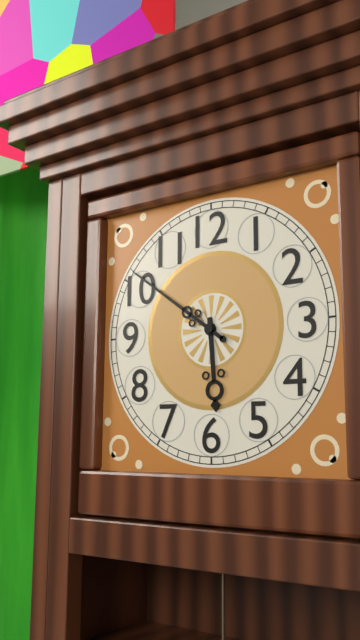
**5:51**
